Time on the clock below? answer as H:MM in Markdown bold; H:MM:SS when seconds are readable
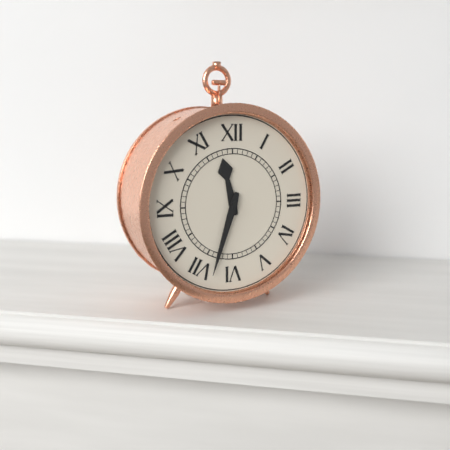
**11:33**
